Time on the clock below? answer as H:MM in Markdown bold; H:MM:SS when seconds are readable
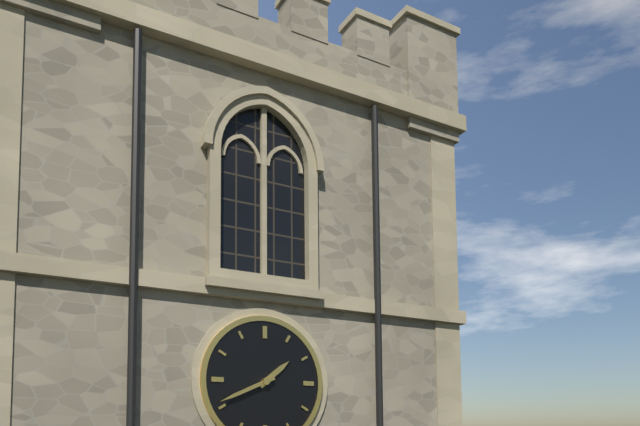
**1:41**
